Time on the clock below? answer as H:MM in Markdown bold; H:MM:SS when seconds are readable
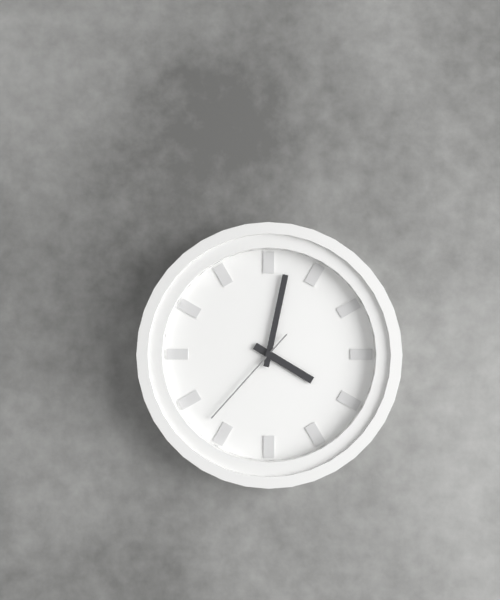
**4:02:37**
